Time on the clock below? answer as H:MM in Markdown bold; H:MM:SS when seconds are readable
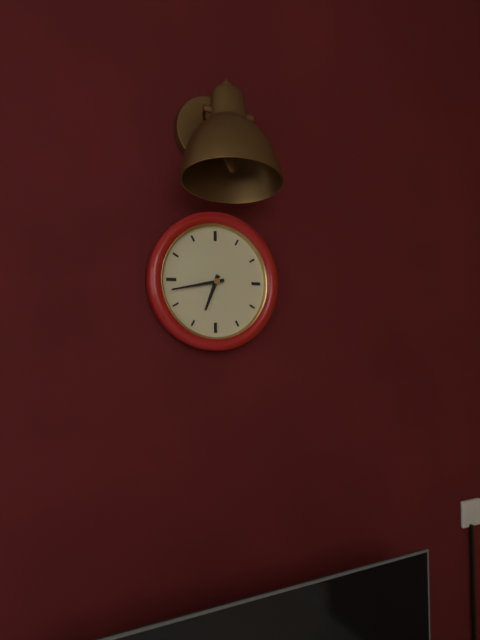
**6:43**
